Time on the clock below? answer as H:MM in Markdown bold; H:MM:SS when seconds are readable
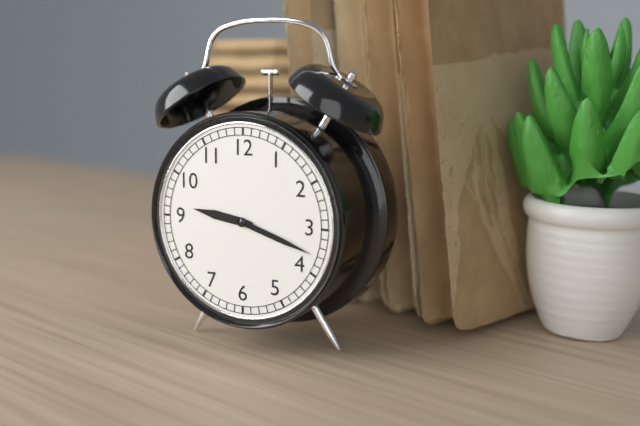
**9:18**
